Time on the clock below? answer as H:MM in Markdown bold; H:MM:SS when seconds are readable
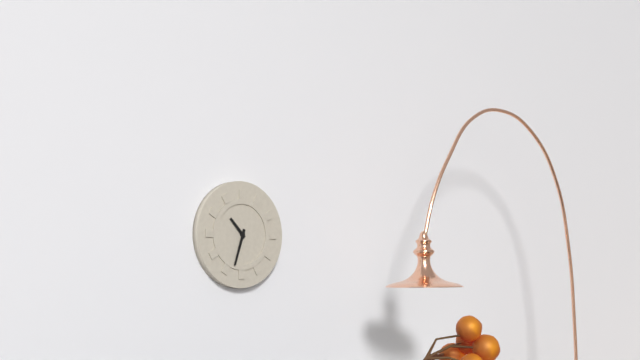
**10:33**
